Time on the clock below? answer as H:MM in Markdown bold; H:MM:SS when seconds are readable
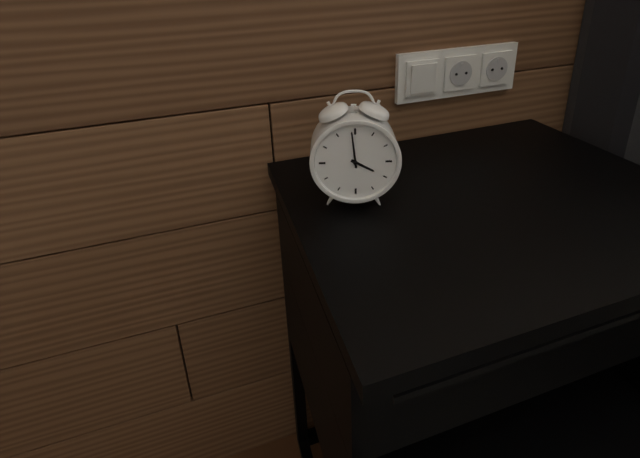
**3:59**
